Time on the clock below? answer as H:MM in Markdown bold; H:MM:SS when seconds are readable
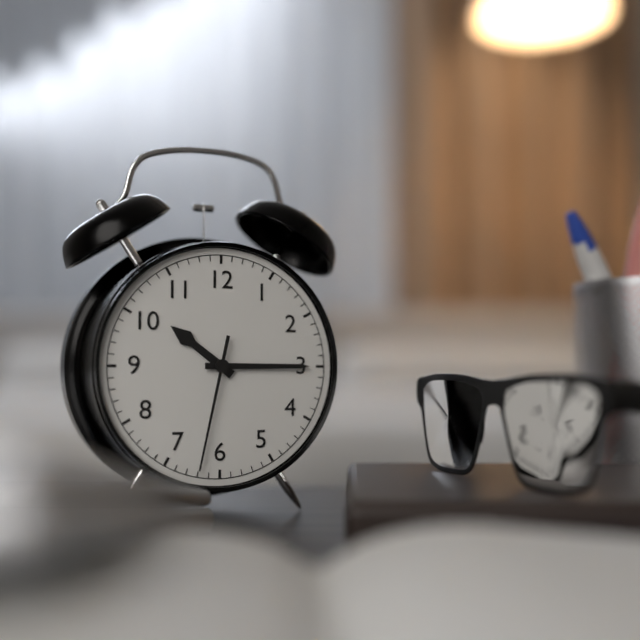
**10:15:32**
